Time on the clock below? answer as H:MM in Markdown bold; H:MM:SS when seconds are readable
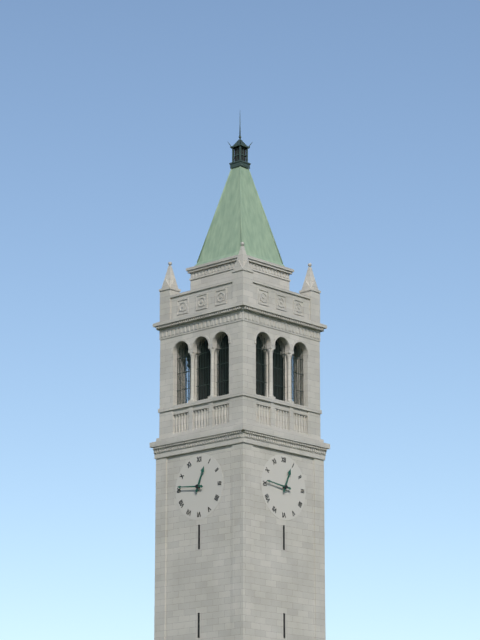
**12:46**
